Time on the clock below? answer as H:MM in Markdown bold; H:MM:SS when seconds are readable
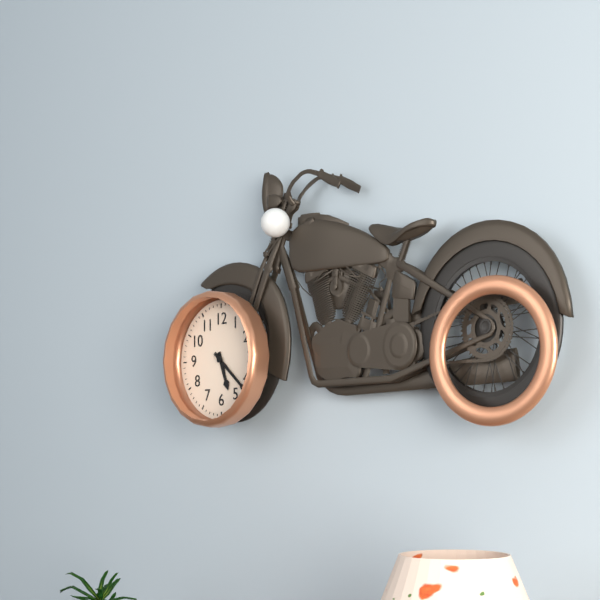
**5:22**
